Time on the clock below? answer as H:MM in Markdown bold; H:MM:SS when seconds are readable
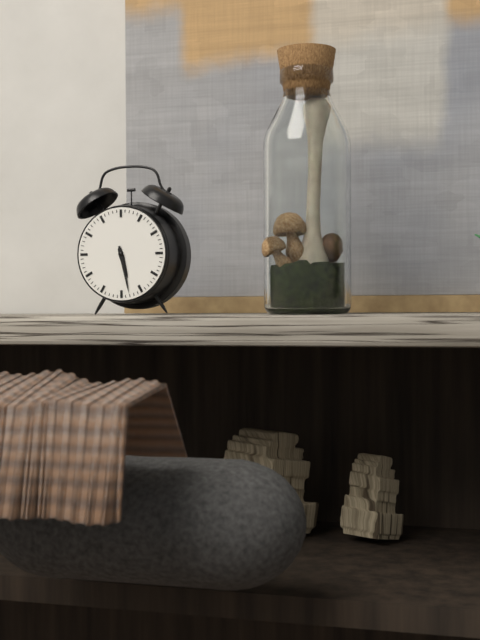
**5:28**
